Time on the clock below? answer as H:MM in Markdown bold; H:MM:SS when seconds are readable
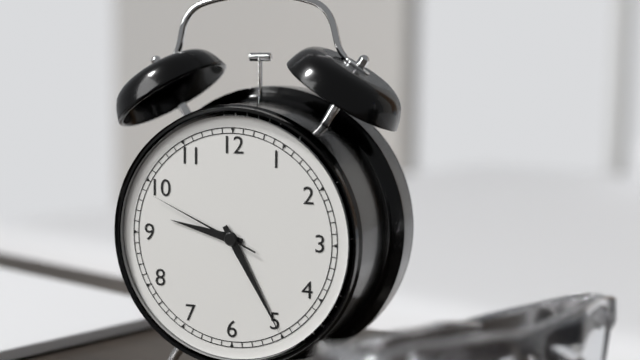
**9:25:49**
